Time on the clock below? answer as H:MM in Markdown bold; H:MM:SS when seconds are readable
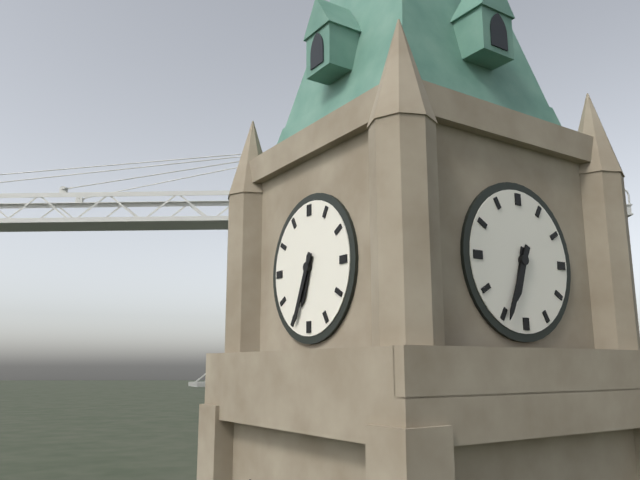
**6:34**
